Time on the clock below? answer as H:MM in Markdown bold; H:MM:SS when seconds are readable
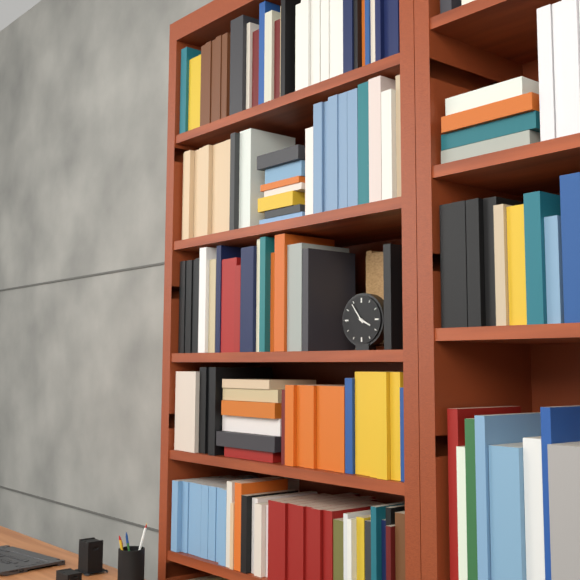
**3:54**
